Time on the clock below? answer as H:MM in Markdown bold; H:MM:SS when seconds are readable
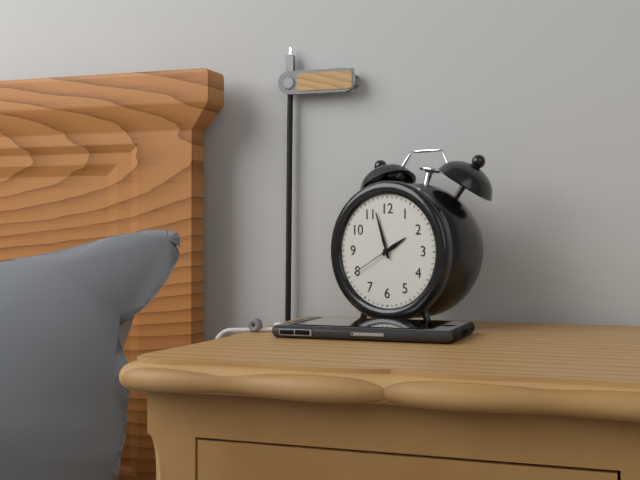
**1:57**
